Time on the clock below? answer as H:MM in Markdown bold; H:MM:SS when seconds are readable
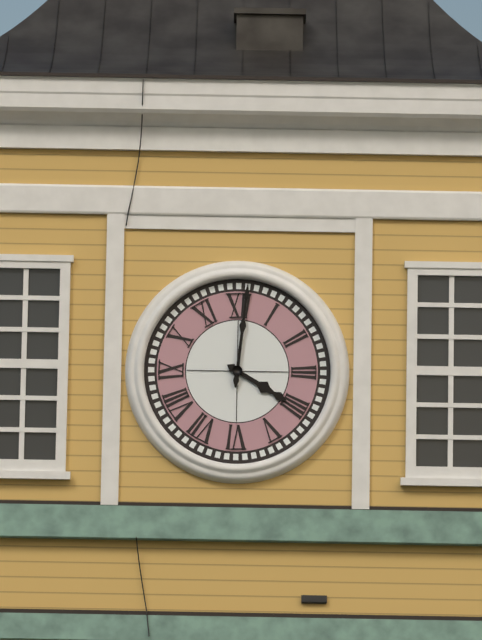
**4:01**
